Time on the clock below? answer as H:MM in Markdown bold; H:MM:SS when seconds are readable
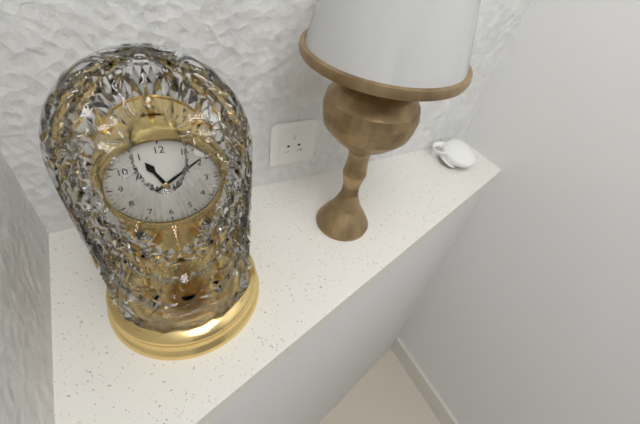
**11:09**
